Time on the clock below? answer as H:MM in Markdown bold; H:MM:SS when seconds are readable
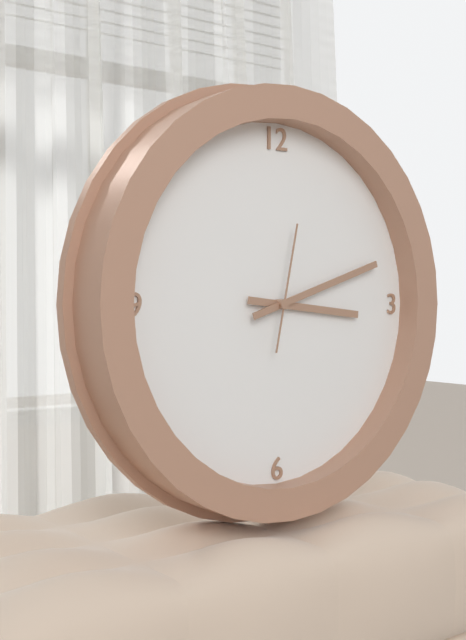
**3:12:02**
